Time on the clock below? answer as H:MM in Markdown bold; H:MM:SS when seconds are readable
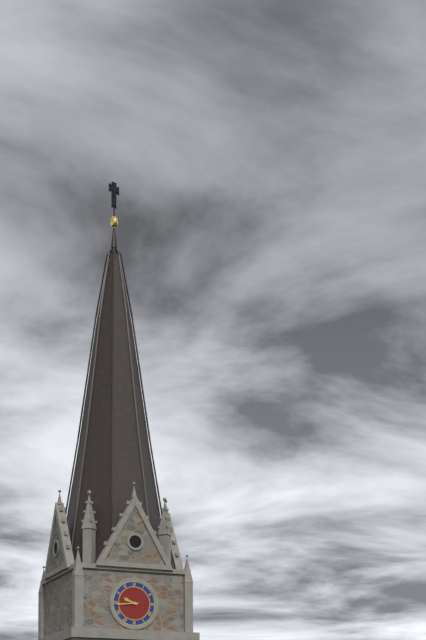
**9:44**
